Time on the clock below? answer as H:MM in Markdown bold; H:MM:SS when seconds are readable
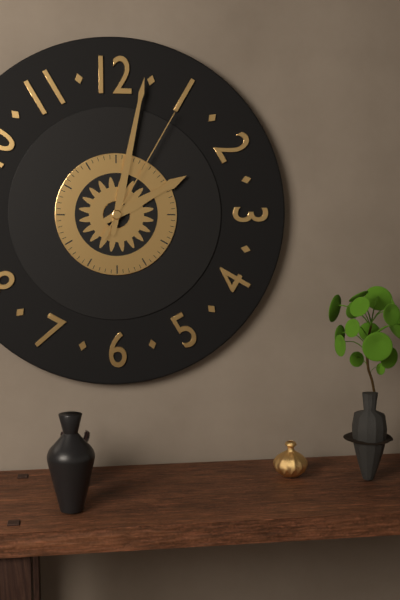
**2:02:05**
